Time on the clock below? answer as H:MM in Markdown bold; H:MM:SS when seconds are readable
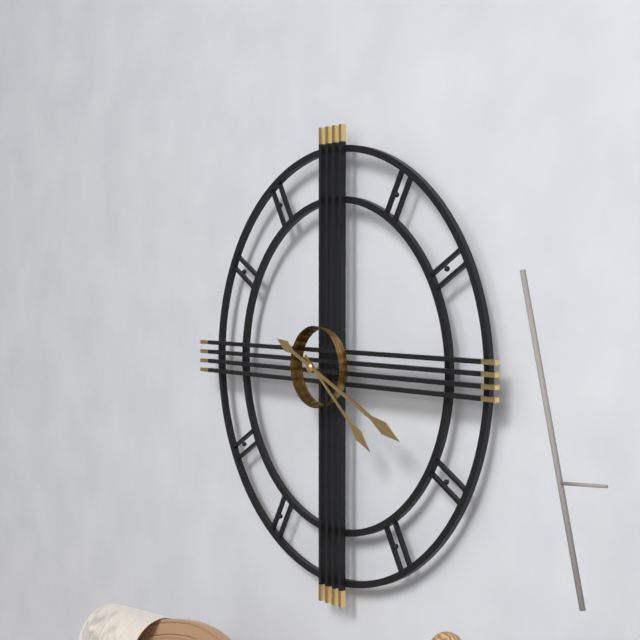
**4:19**
